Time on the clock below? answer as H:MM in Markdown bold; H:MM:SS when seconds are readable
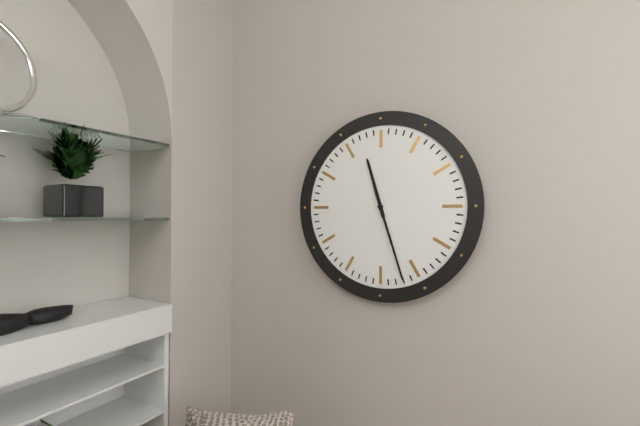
**11:27**
